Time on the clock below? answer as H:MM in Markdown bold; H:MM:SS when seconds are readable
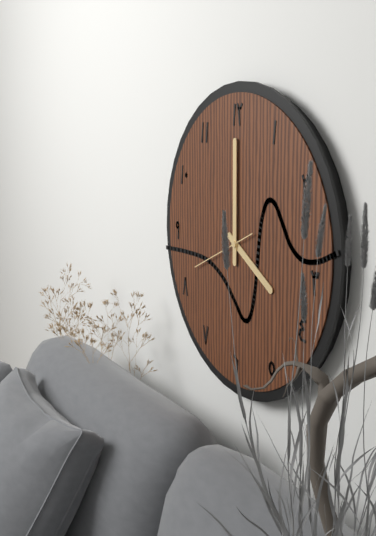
**4:00:41**
